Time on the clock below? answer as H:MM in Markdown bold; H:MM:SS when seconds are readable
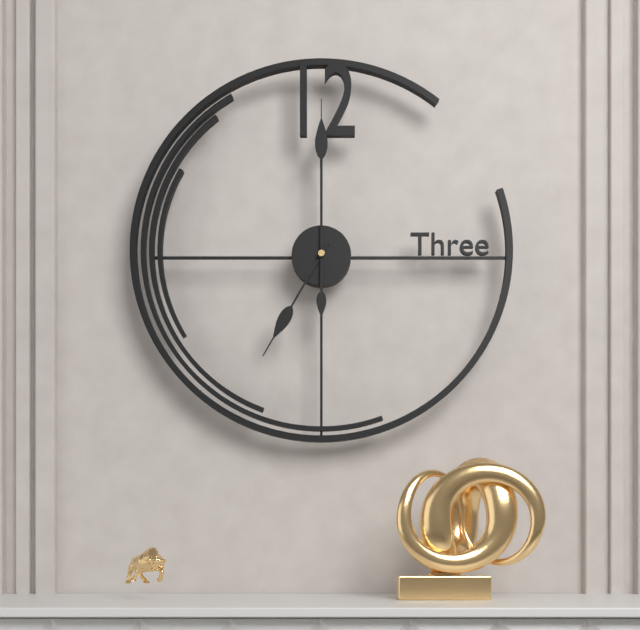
**7:00**
